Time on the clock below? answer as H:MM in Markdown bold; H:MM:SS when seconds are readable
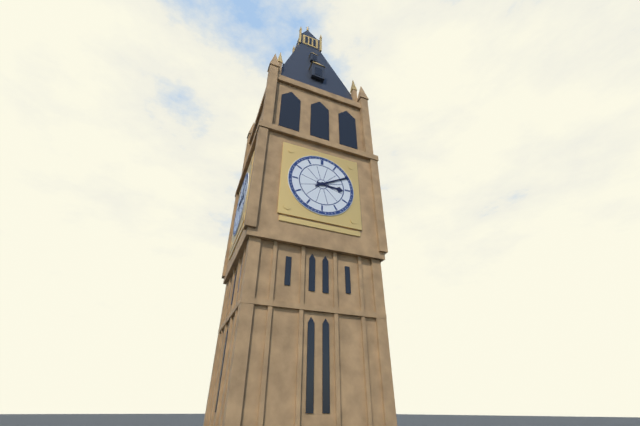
**3:10**
